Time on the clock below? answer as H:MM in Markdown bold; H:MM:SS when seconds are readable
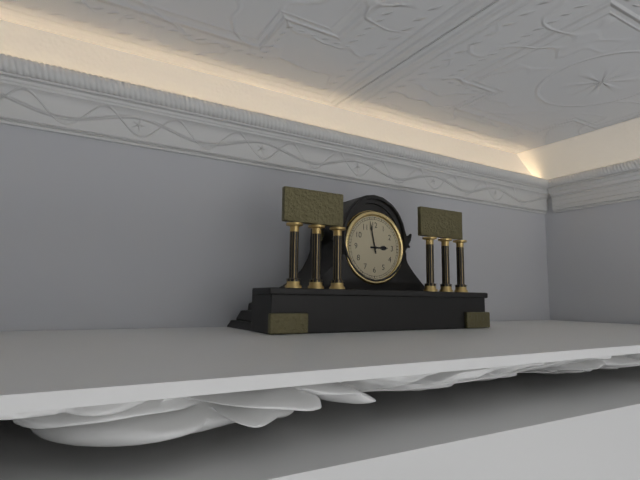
**2:58**
